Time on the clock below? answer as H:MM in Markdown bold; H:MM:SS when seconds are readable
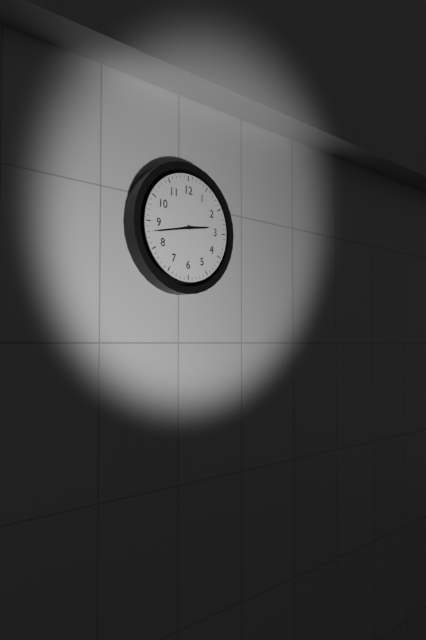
**2:43**
